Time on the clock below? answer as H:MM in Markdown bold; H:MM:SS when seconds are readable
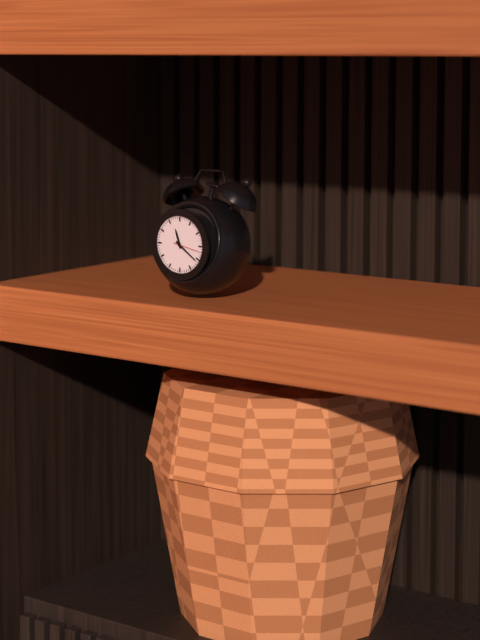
**11:21**
